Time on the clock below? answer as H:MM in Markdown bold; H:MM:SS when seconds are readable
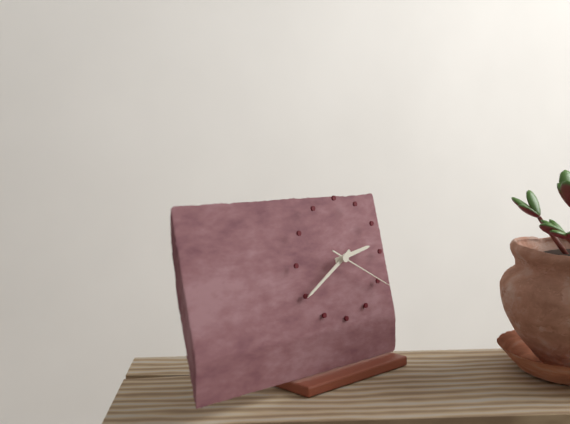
**2:40:20**
